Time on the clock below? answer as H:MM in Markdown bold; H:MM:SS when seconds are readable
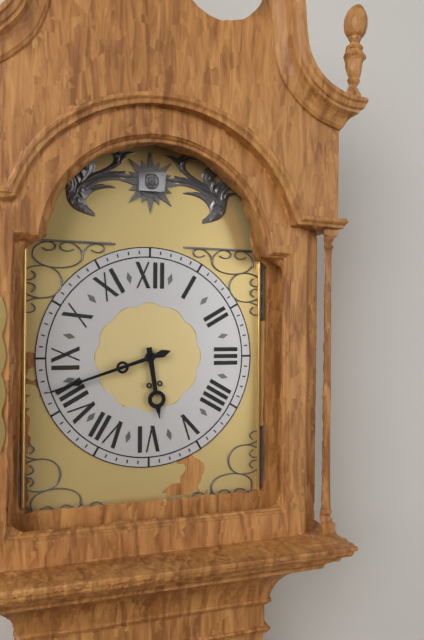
**5:42**
